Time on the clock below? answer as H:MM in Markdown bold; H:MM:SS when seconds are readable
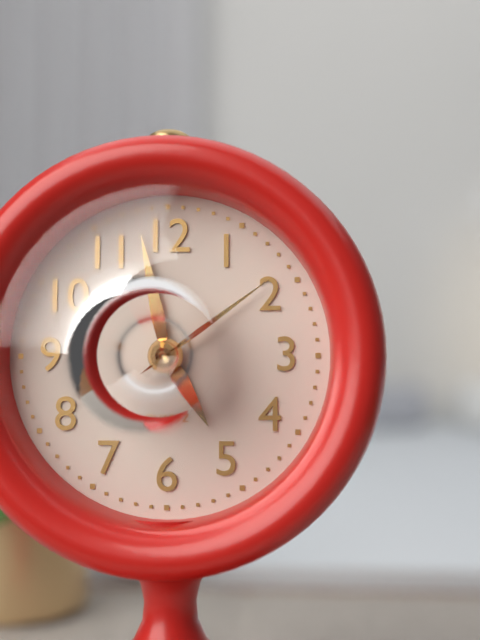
**4:58:09**
